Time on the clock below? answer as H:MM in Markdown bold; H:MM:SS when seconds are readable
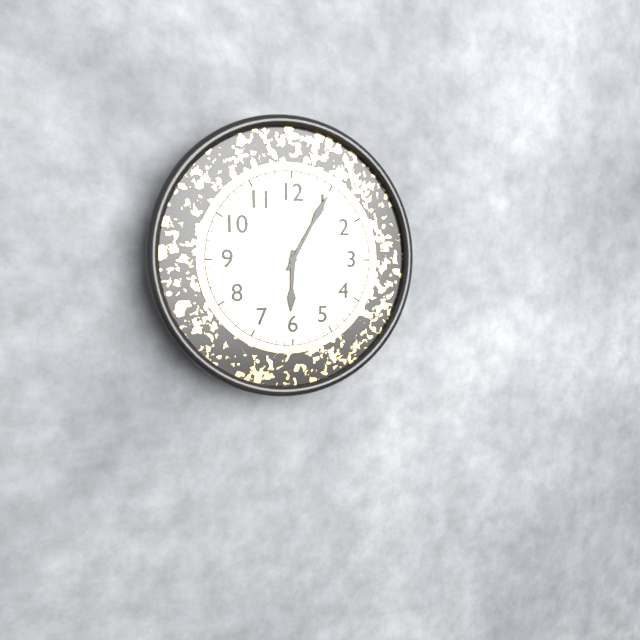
**6:05**
